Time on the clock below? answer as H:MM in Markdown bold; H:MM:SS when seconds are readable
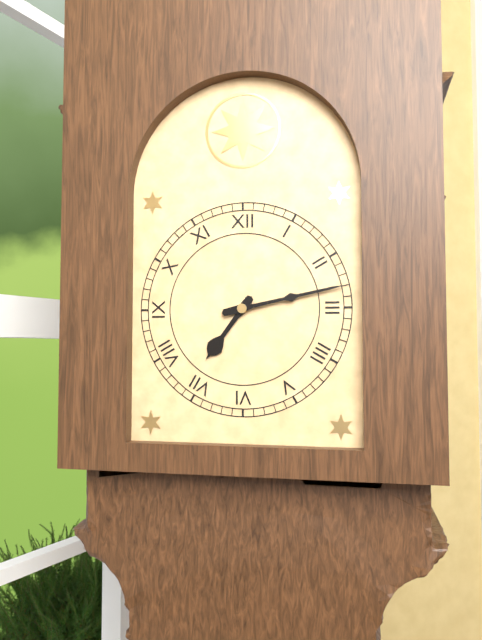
**7:13**
